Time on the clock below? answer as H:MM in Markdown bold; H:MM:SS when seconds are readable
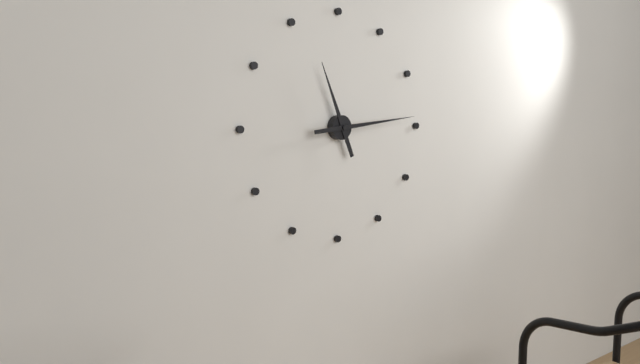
**11:14**
